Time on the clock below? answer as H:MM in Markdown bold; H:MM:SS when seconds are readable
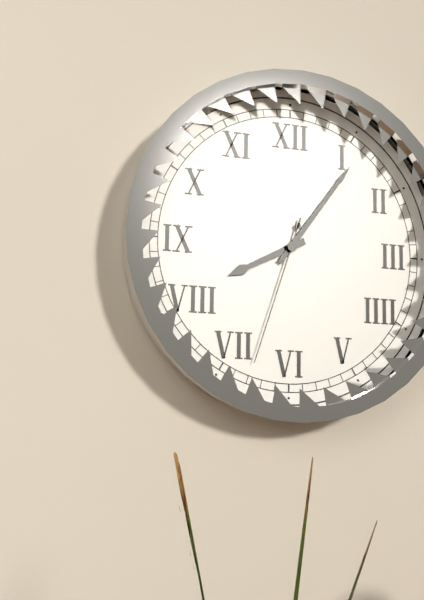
**8:06:33**
